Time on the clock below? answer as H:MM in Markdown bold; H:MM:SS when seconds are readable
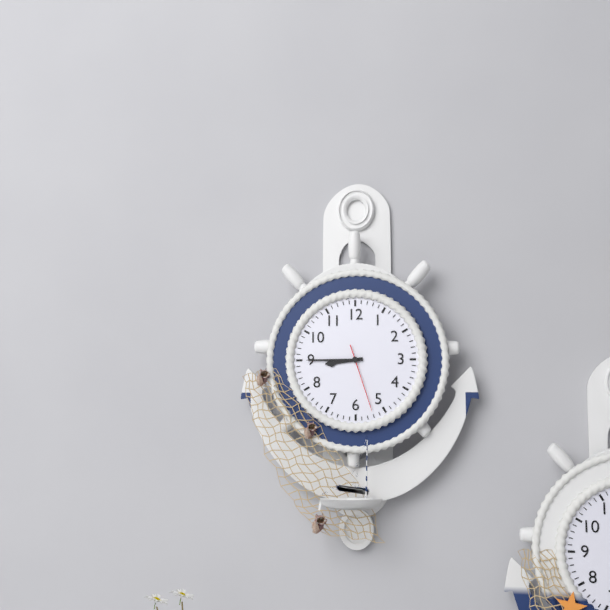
**8:45:27**
